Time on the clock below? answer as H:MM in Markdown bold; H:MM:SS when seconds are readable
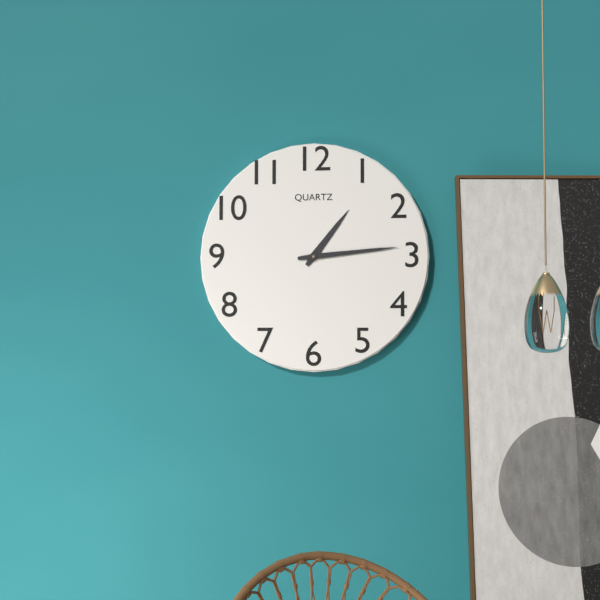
**1:14**
